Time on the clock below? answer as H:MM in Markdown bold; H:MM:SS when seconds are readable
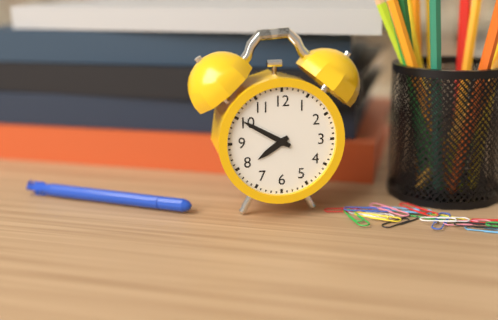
**7:50**
